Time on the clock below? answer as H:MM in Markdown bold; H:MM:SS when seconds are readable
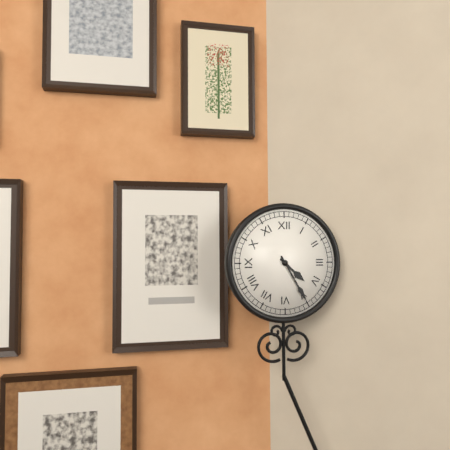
**4:25**
